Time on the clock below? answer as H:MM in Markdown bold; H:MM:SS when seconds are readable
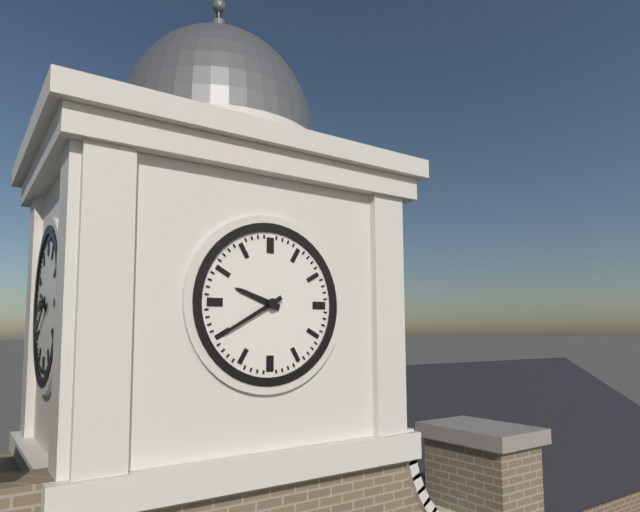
**9:40**
